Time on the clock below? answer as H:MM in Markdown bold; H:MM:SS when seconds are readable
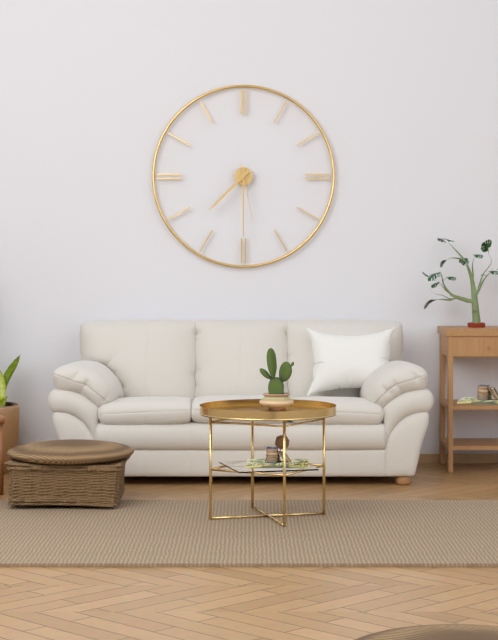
**7:30:28**
